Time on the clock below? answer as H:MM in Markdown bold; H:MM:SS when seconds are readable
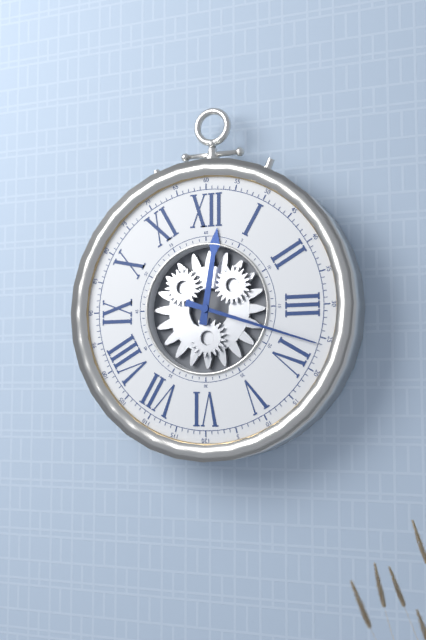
**12:18**
